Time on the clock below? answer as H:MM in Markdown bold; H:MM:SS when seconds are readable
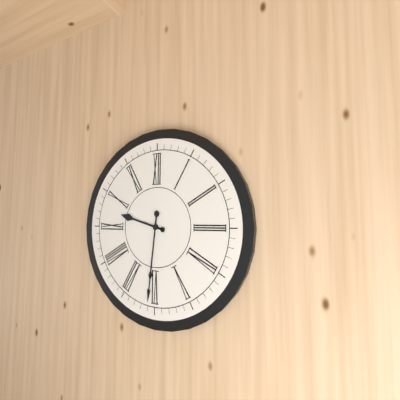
**9:31**
